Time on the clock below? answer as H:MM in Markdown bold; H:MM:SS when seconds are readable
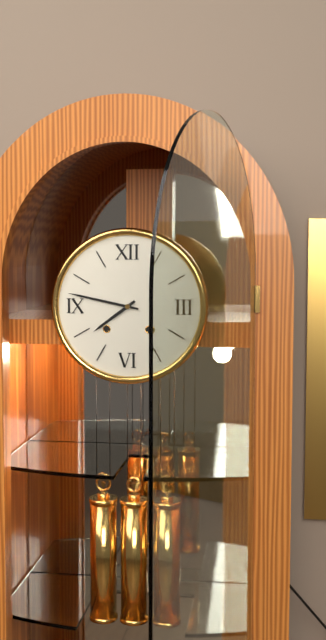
**7:47**
